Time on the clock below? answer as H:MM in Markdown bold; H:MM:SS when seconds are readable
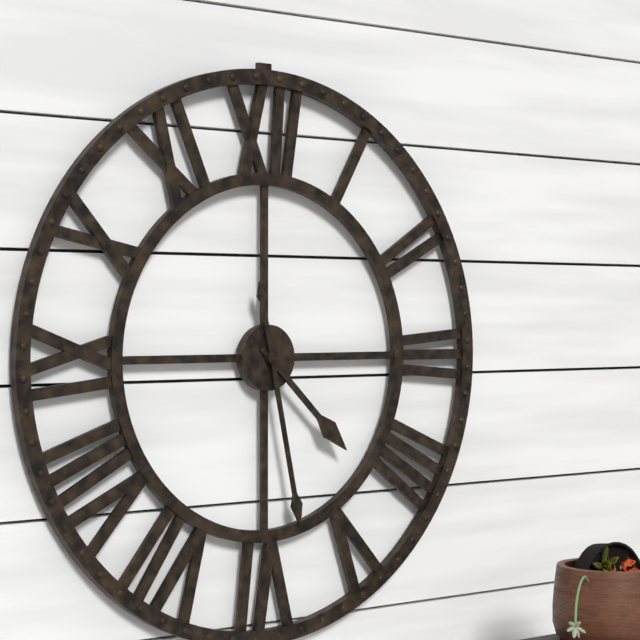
**4:28**
